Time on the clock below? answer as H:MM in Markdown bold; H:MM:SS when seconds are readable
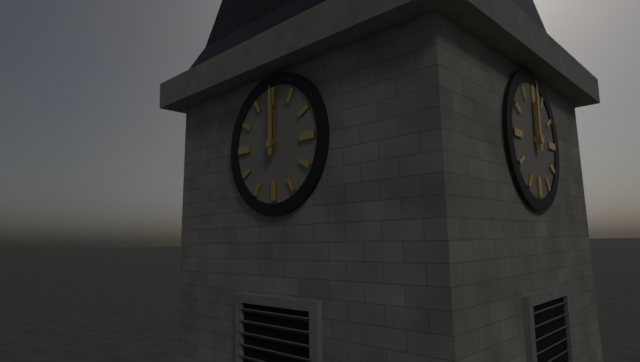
**12:00**
